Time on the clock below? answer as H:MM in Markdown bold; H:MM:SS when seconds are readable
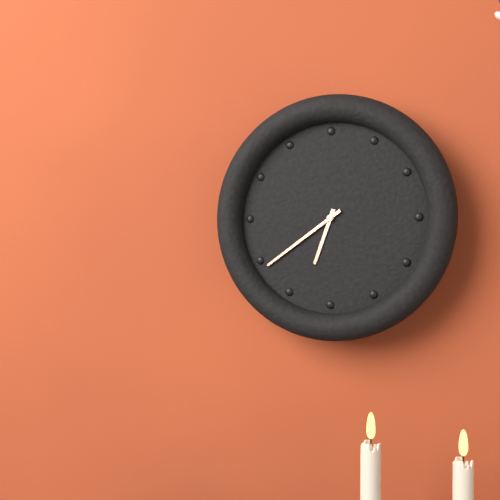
**6:39**
